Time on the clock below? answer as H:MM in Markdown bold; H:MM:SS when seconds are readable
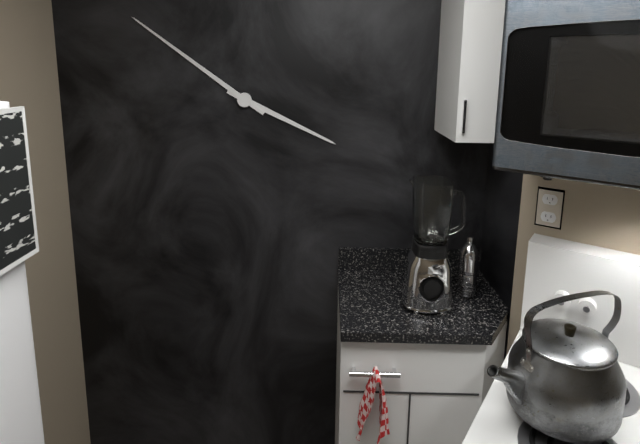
**3:51**
